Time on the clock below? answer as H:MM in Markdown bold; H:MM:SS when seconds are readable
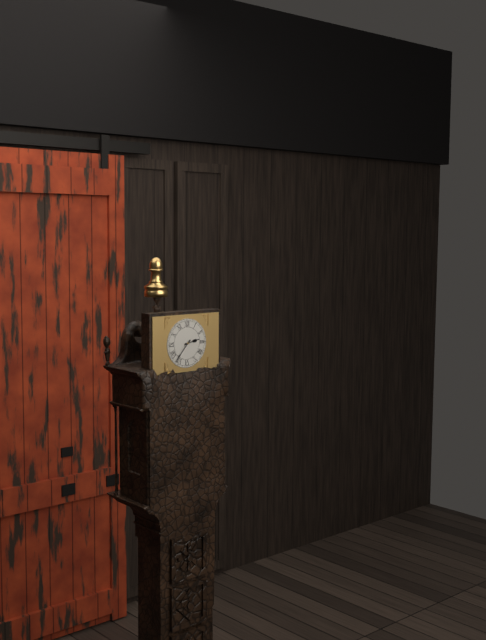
**2:37**
